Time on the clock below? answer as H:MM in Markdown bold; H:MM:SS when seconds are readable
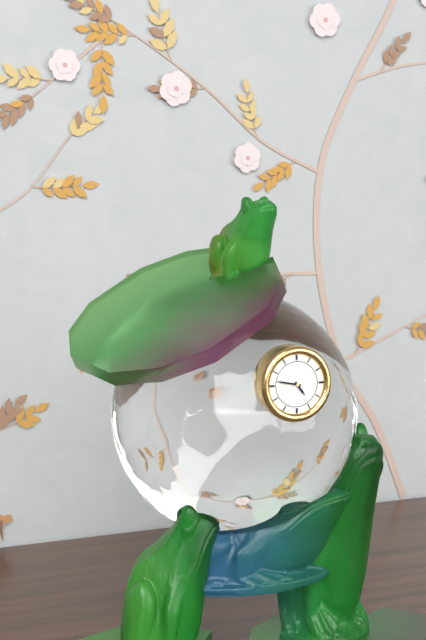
**4:47**
